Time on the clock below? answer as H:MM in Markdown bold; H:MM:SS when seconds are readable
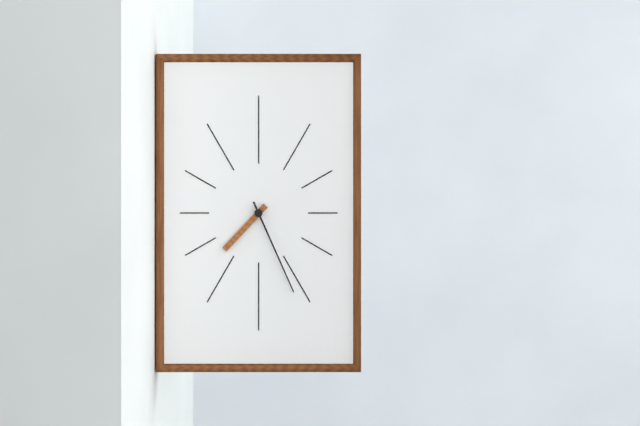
**7:26**
